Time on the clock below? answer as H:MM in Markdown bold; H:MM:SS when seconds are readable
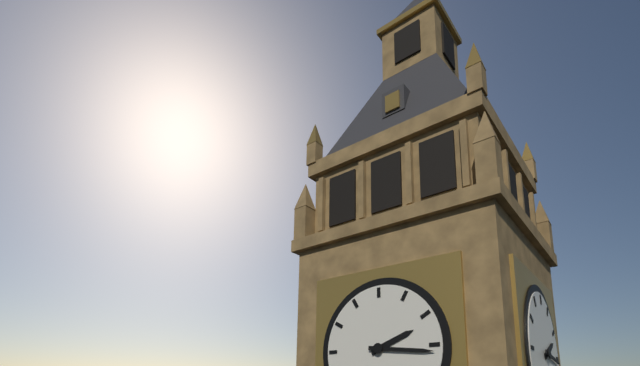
**2:16**
